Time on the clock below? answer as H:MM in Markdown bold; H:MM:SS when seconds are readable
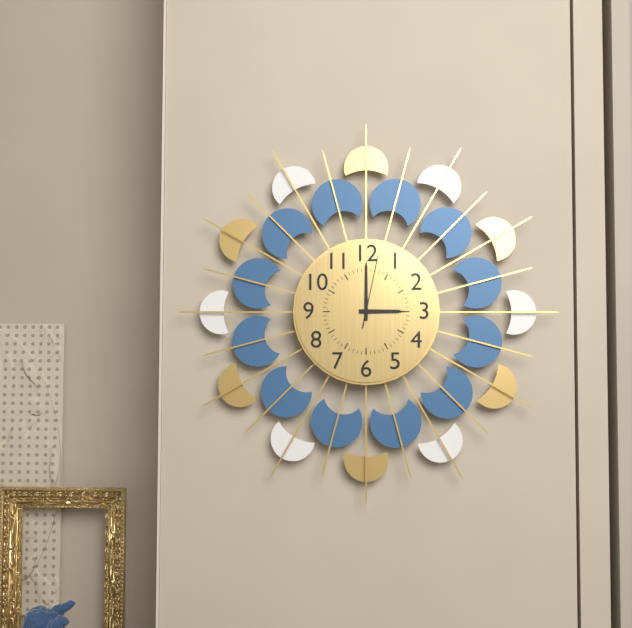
**3:00:02**
